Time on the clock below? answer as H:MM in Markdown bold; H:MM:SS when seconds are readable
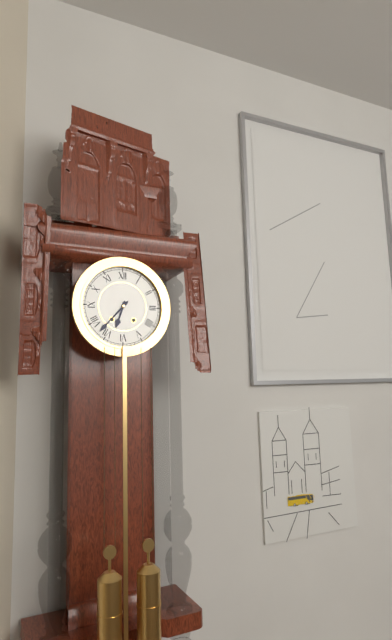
**6:37**
